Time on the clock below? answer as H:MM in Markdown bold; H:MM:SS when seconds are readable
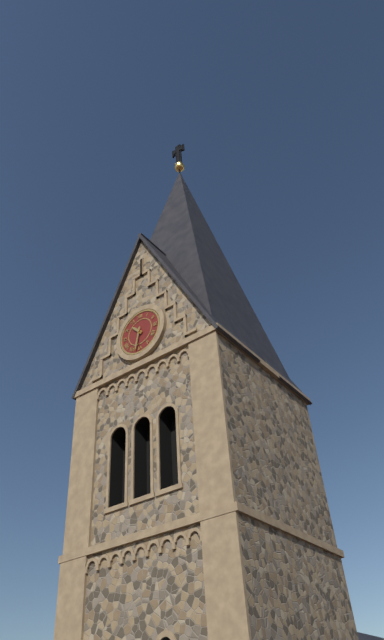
**10:32**
